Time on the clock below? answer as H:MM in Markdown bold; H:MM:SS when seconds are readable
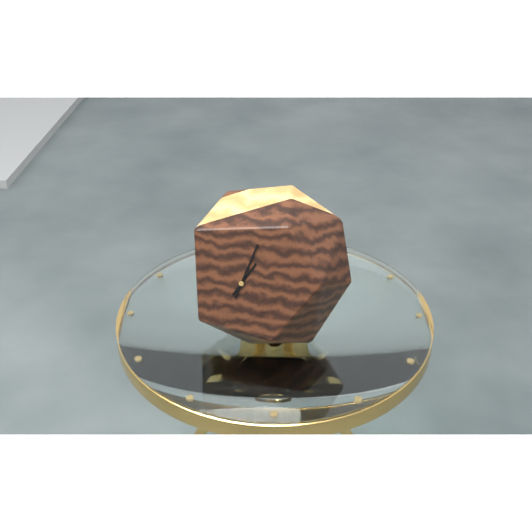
**1:03**
